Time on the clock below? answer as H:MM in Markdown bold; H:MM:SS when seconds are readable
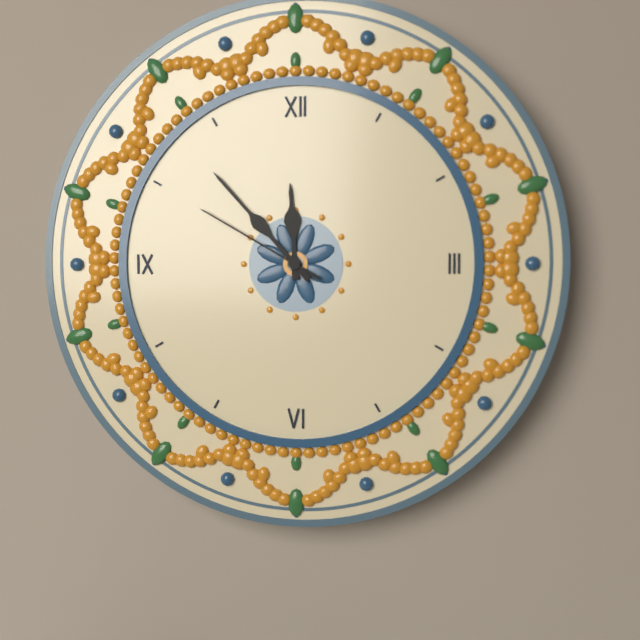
**11:53:50**
